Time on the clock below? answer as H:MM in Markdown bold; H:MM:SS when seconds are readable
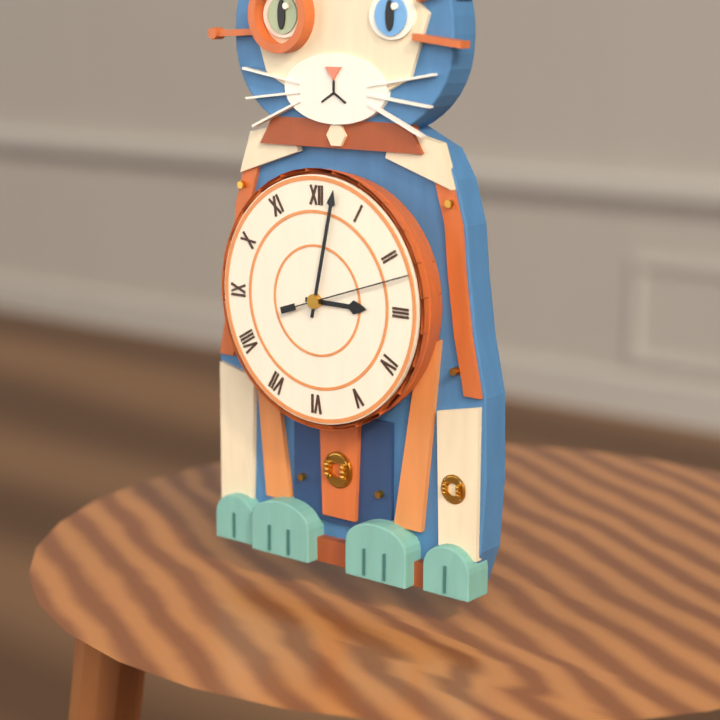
**3:02:12**
